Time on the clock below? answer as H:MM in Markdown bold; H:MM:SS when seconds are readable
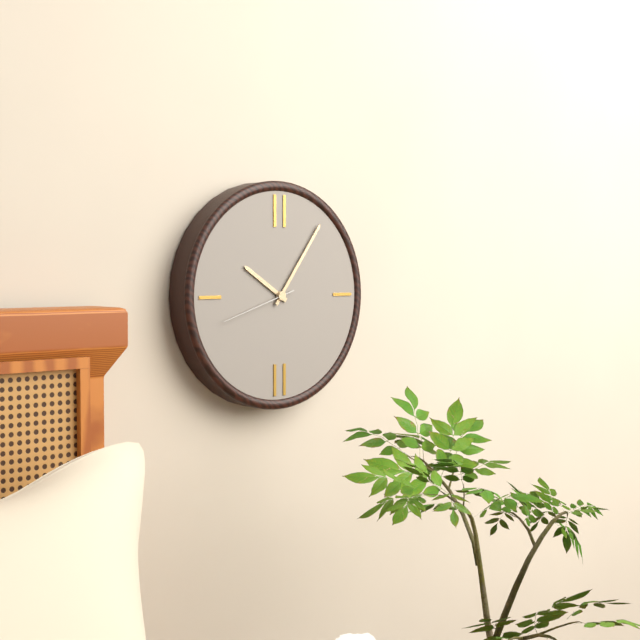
**10:06:42**
